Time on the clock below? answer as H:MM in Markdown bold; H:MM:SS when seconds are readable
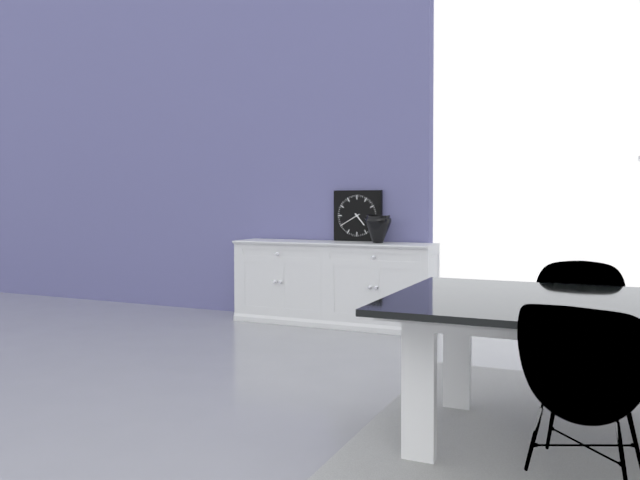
**4:40**
